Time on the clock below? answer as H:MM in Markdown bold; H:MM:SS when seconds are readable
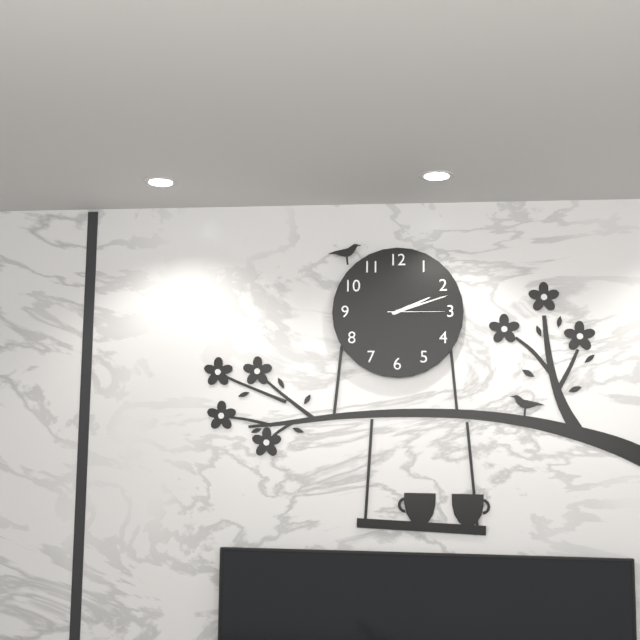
**2:12:15**
